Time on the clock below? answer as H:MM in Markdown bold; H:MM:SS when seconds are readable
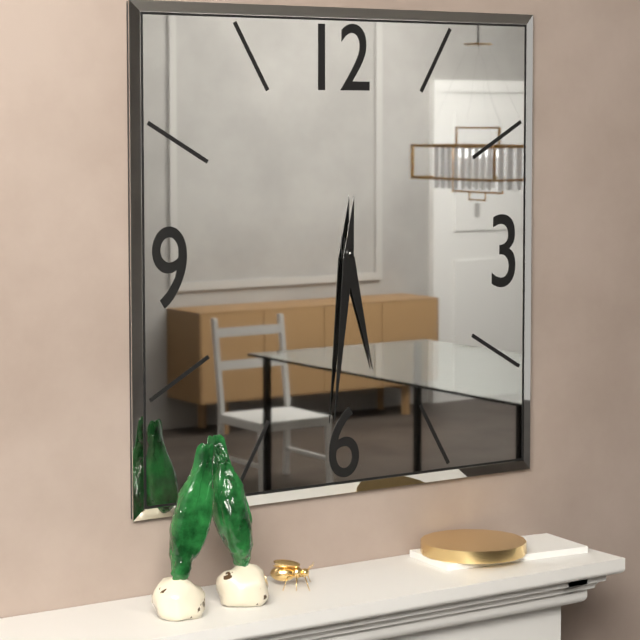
**5:31**
